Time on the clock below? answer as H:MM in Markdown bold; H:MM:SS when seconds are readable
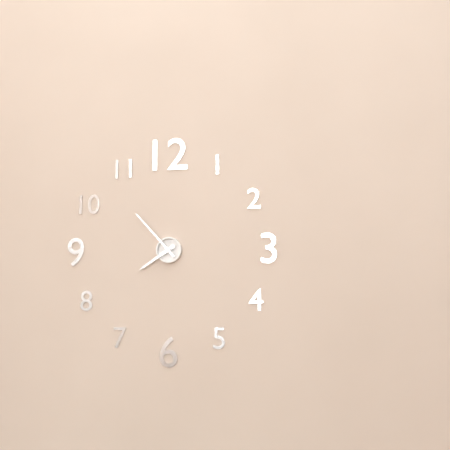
**7:53**
